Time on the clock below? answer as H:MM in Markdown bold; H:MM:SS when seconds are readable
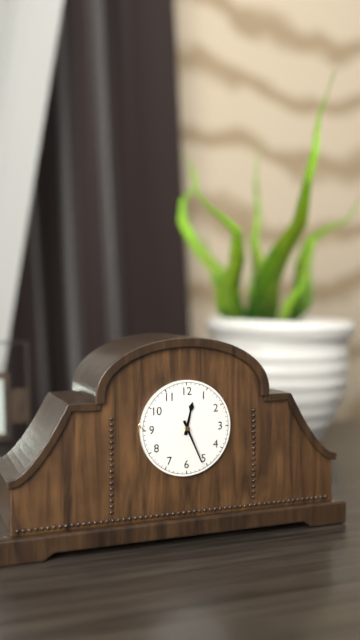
**12:26**
